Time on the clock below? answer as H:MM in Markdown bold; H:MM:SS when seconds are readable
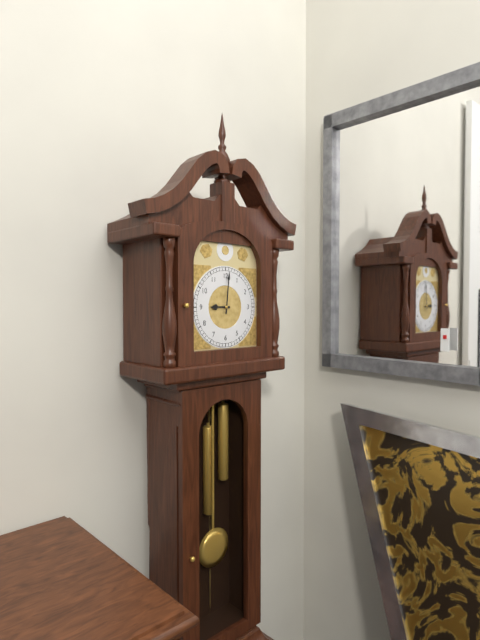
**9:01**
